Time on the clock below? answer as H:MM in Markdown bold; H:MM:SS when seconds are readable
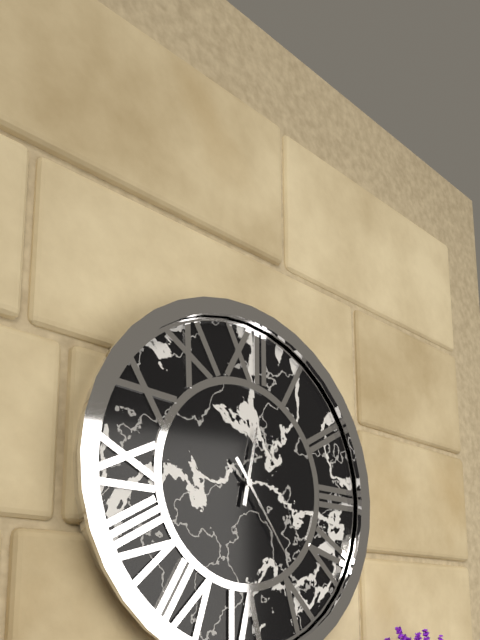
**12:24**
